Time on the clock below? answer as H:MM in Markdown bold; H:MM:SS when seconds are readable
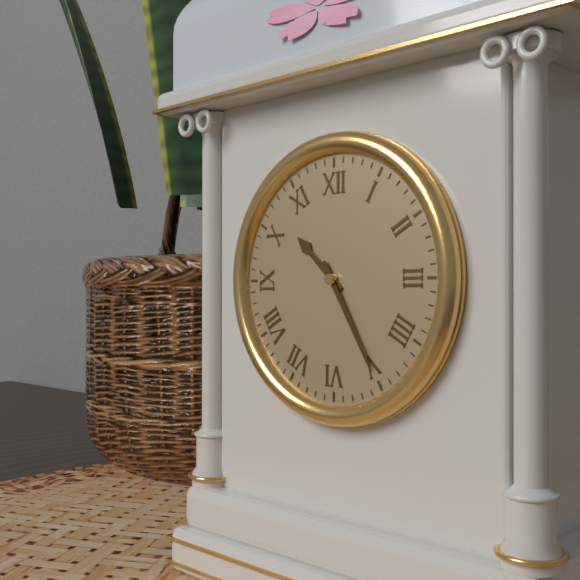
**10:25**
